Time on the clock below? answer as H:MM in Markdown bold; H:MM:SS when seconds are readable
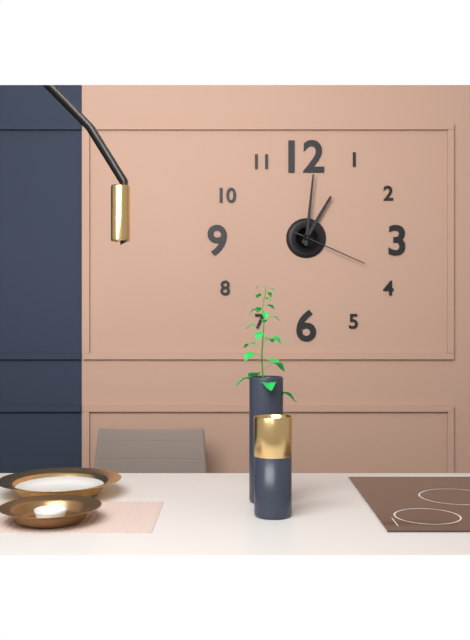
**1:01:19**
